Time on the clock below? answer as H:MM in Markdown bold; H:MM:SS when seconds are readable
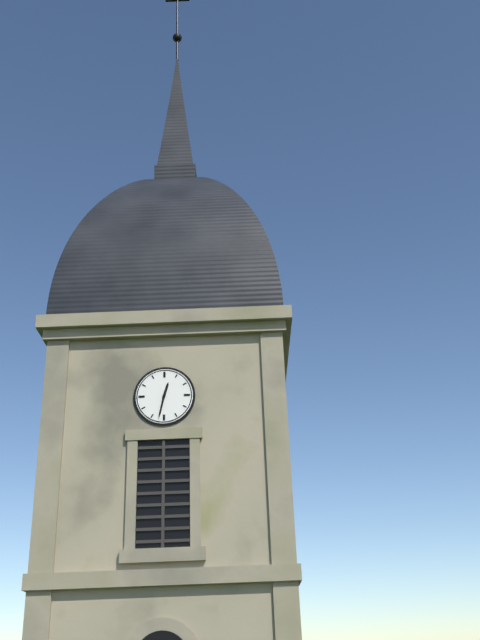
**12:32**
